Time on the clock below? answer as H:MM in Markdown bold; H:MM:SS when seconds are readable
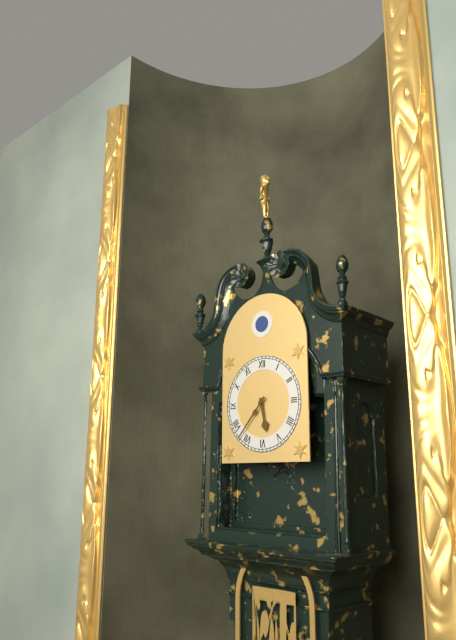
**5:37**
